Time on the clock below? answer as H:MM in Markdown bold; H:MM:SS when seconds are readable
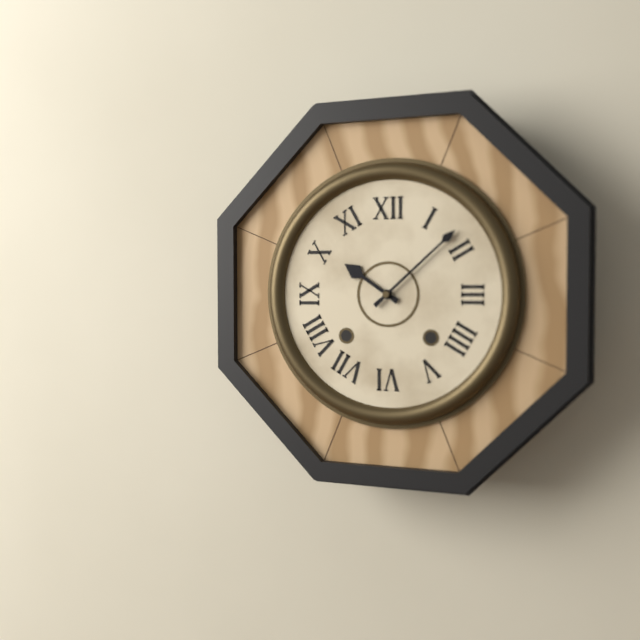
**10:08**
